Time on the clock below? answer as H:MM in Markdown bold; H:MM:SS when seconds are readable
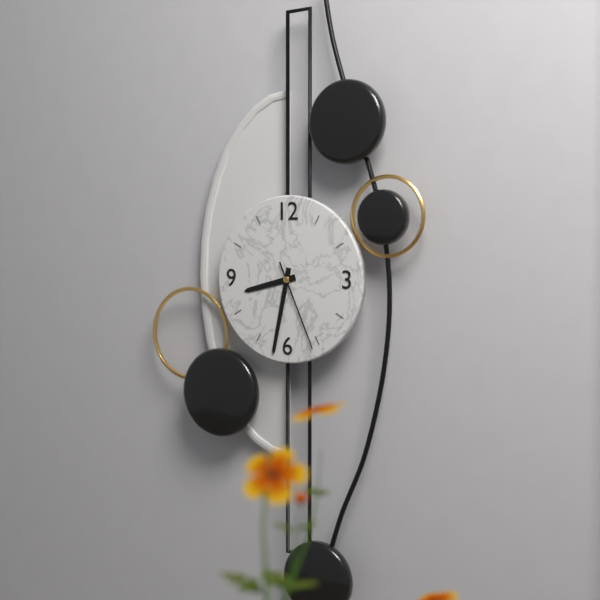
**8:32:26**
